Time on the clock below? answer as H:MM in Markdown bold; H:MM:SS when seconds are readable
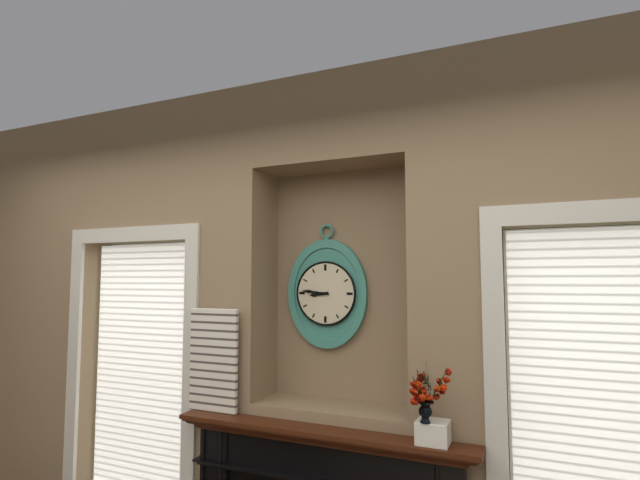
**8:46**
